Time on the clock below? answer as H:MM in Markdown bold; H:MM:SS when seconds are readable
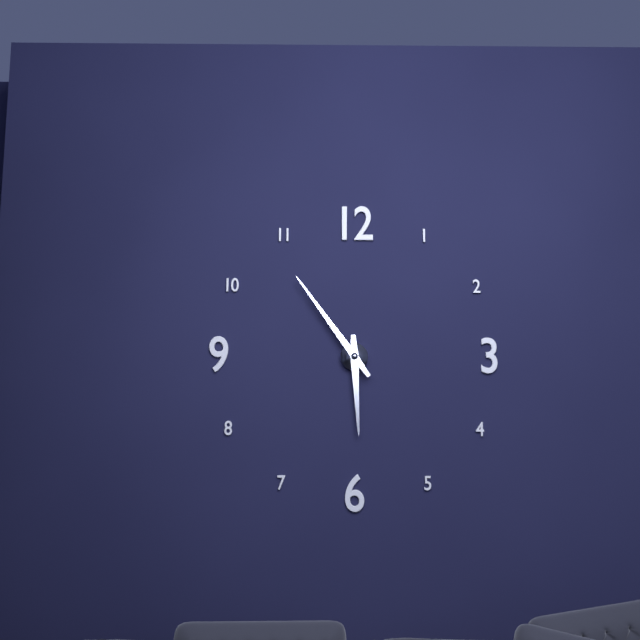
**5:54**
